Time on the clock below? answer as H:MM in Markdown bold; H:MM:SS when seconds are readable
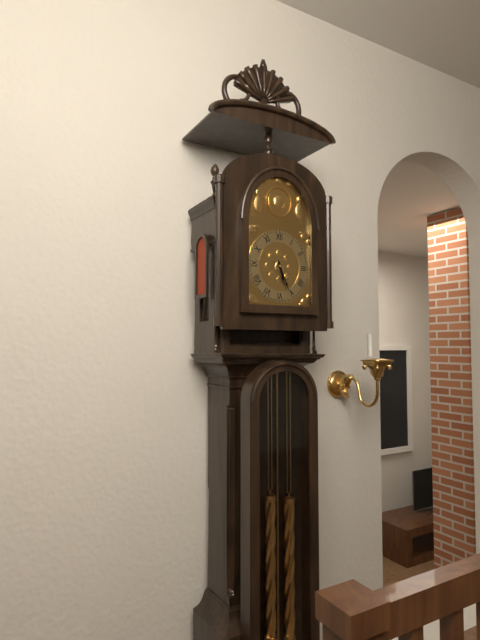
**5:26**
